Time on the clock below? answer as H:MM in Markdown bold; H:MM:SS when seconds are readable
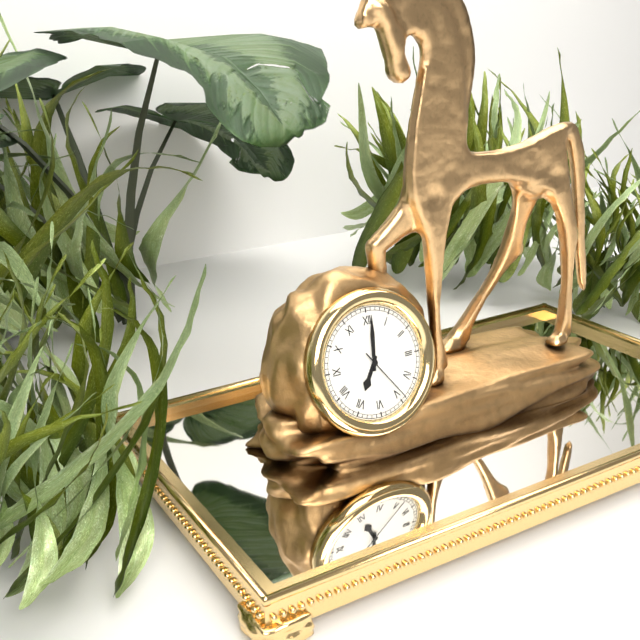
**7:01:24**
